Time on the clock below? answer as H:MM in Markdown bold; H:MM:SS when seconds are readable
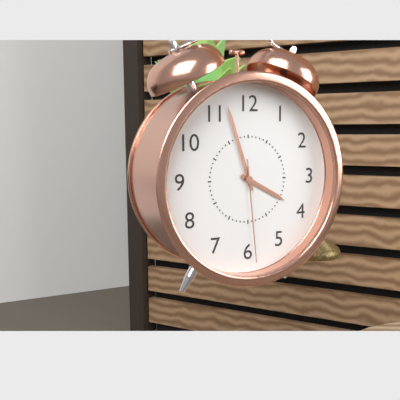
**3:57:29**
